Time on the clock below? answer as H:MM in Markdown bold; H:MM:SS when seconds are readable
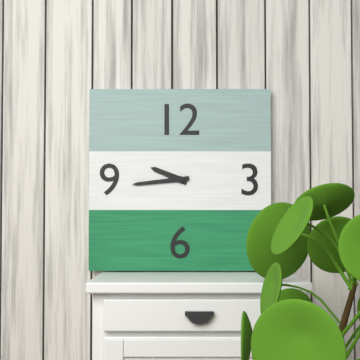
**9:44**
